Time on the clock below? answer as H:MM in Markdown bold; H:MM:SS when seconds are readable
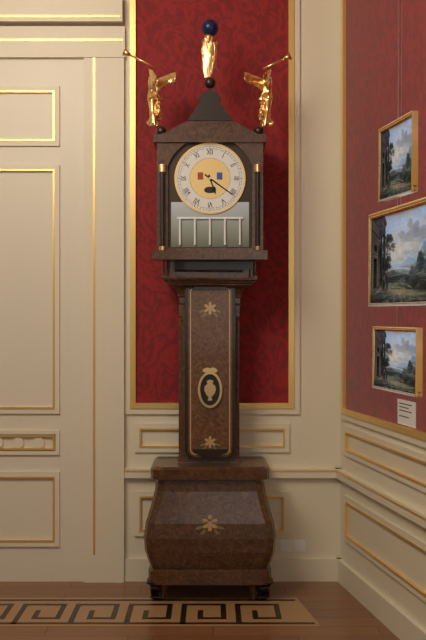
**5:21**
